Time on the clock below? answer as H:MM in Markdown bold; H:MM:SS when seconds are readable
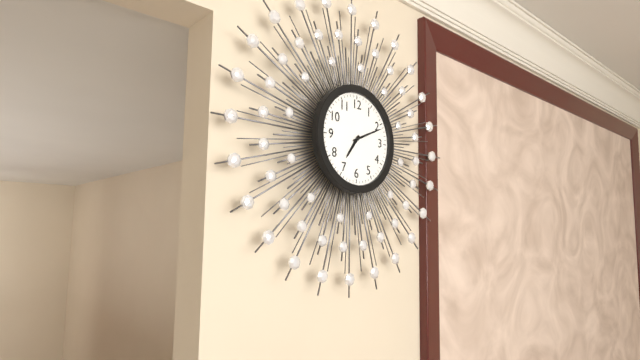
**7:11**
